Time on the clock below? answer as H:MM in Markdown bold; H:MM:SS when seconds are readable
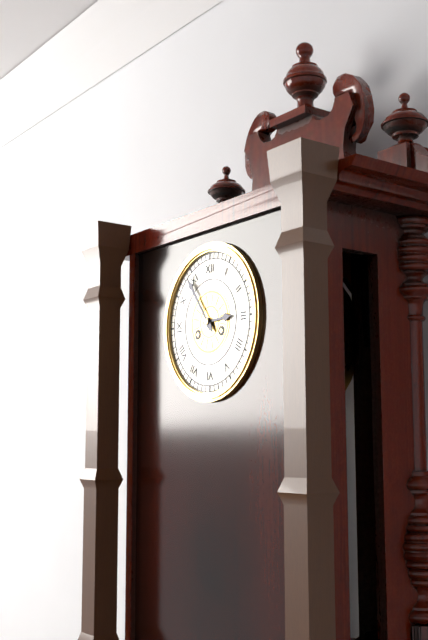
**2:54**
